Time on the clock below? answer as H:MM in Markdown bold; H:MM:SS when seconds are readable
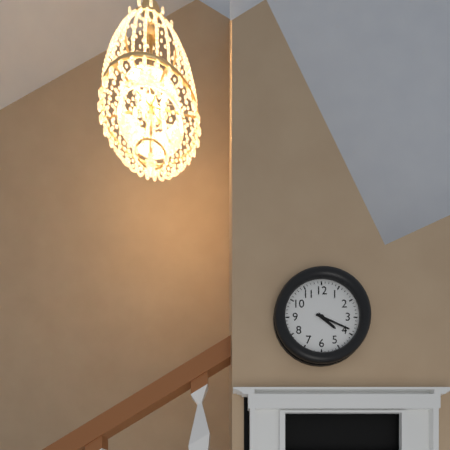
**4:19**
